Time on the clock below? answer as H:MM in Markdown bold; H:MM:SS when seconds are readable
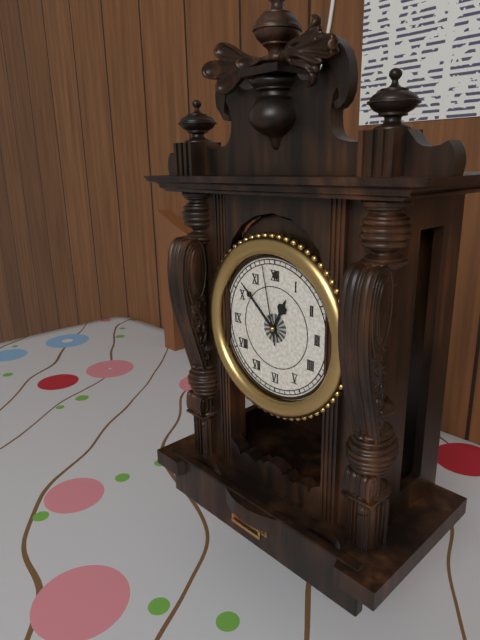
**12:52:58**
